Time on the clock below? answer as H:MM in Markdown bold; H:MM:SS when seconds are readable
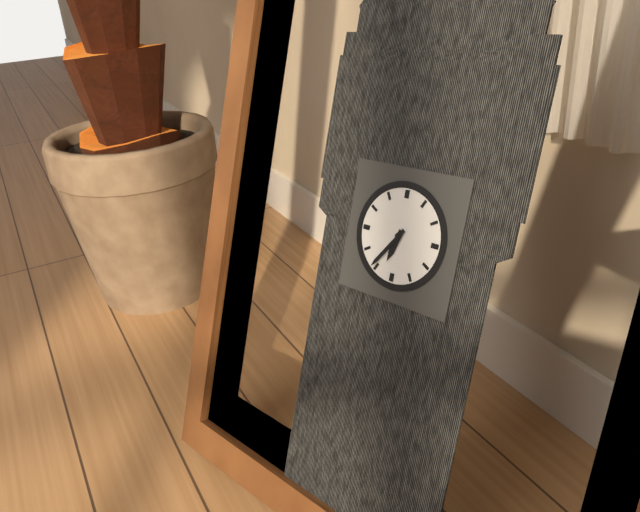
**6:36**
